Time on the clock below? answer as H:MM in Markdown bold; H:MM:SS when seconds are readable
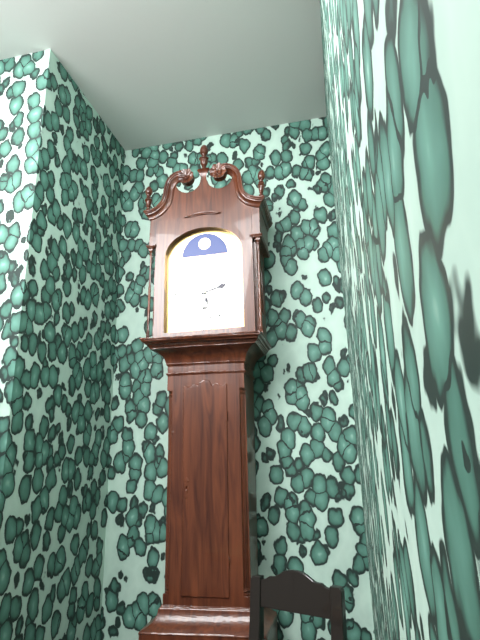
**2:28**
